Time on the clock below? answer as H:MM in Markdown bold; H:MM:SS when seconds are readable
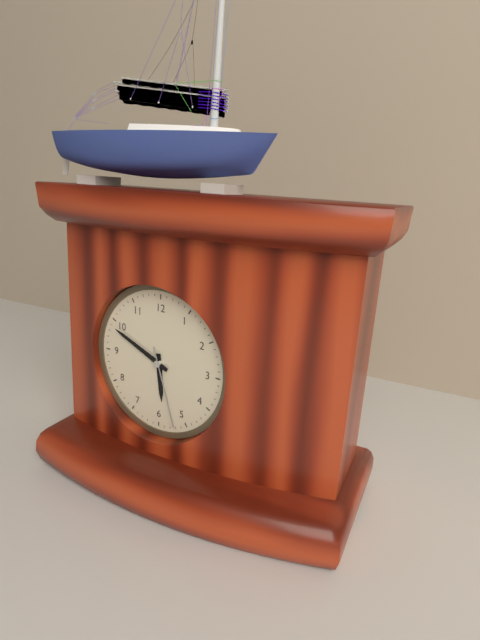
**5:49:27**
